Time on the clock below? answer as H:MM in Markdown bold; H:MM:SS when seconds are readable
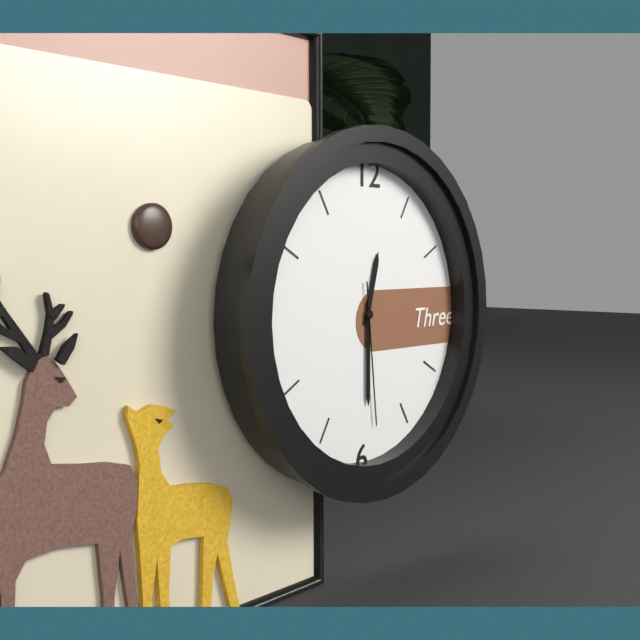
**12:30:29**
